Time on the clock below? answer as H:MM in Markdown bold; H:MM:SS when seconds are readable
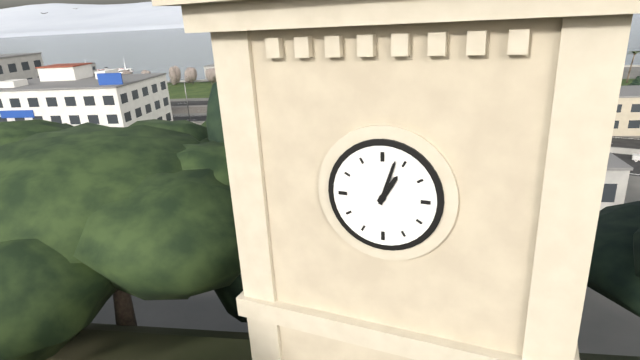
**1:03**
